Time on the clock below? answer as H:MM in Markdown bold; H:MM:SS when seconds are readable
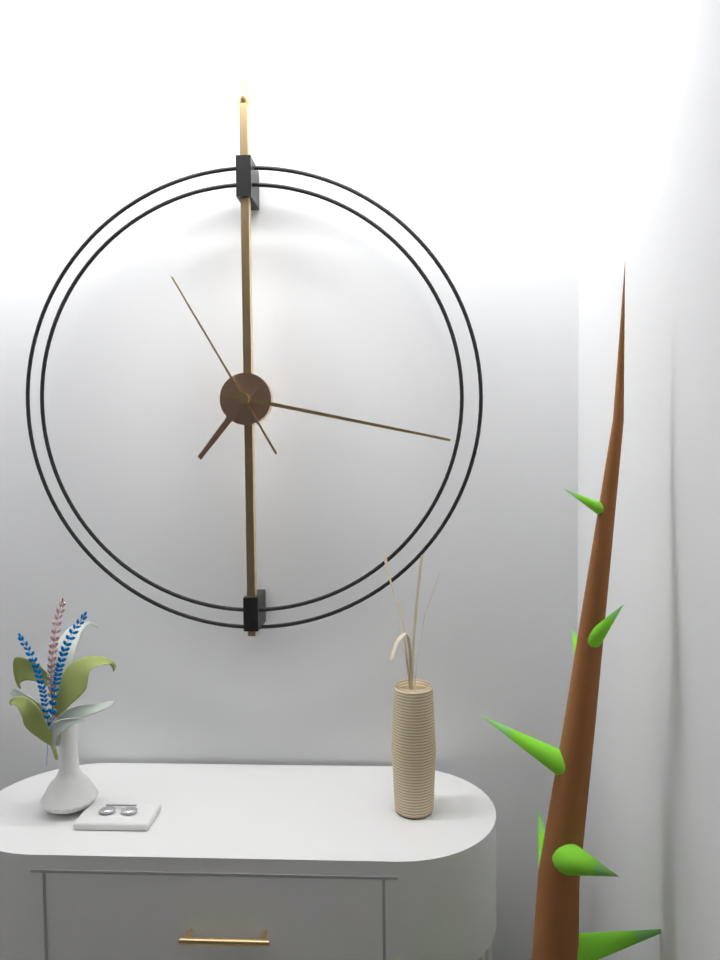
**7:17:55**
